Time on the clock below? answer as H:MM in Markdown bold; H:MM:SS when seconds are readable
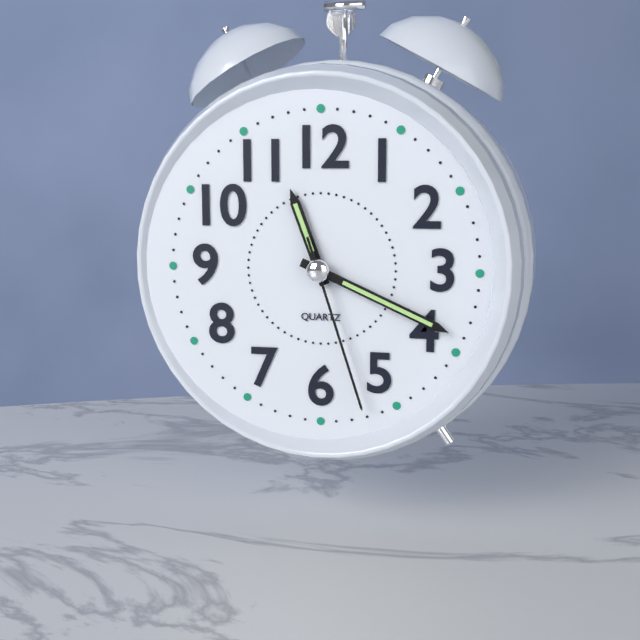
**11:19:27**
